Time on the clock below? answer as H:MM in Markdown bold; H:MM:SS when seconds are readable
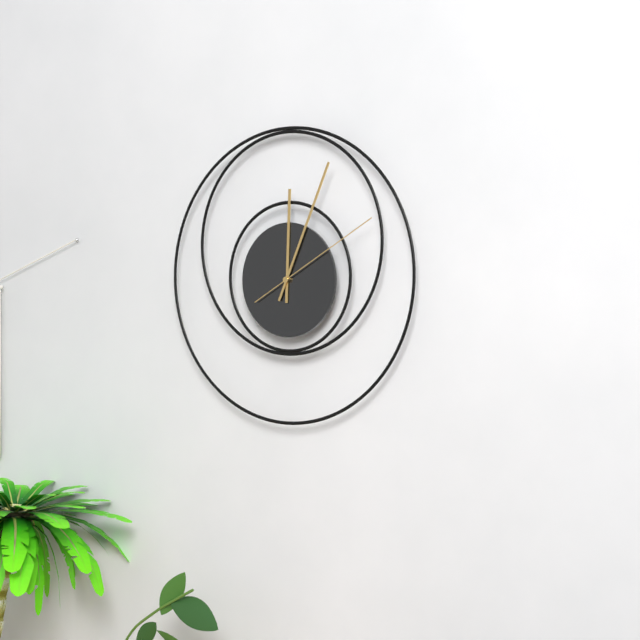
**12:04:10**
